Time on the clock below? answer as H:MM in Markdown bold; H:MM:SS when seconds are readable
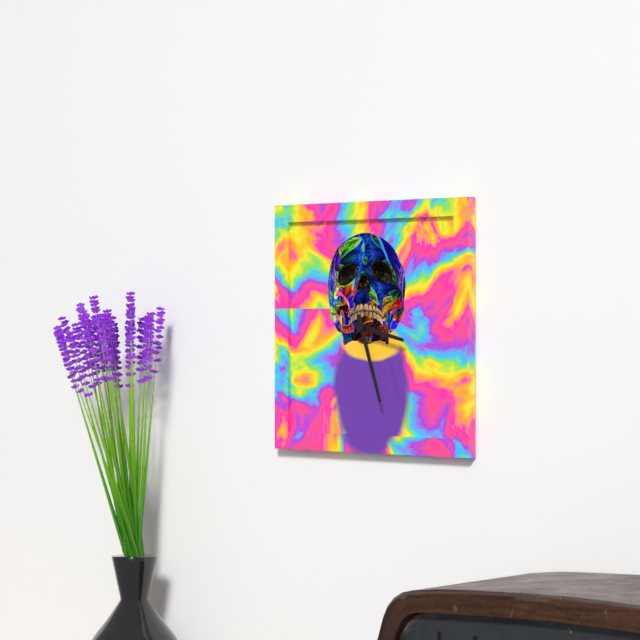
**3:27**
